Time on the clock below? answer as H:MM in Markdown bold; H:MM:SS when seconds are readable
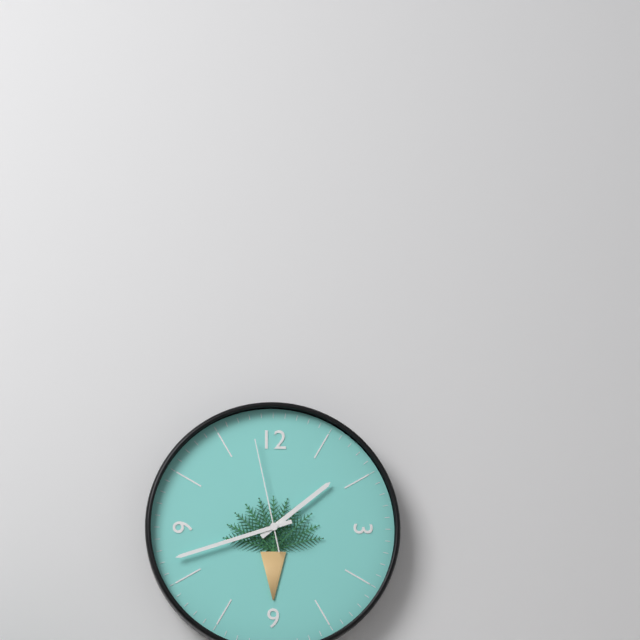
**1:42:58**
